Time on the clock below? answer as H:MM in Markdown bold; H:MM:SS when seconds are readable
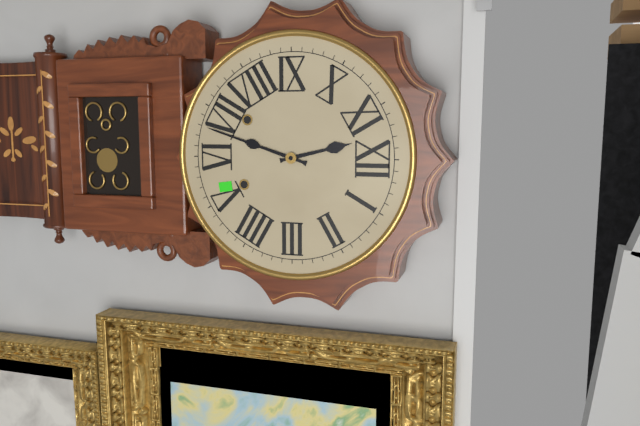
**11:33**
